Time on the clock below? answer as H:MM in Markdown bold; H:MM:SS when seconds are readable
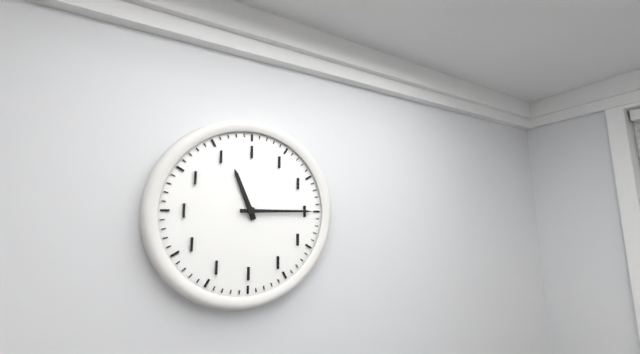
**11:15**
